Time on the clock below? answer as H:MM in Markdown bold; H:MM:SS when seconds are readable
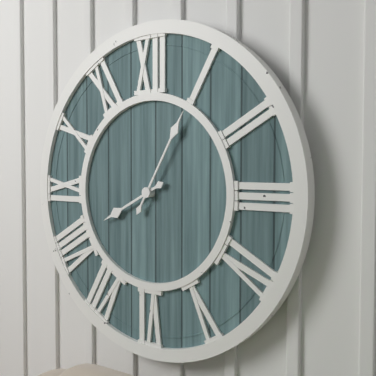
**8:05**
